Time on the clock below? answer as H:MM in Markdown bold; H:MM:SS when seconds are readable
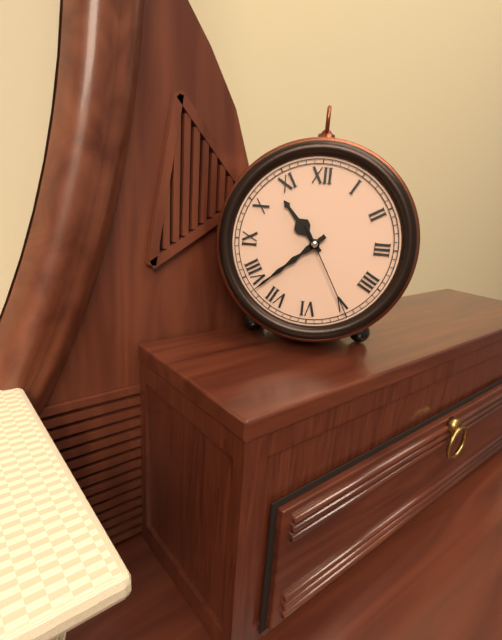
**10:38:25**
